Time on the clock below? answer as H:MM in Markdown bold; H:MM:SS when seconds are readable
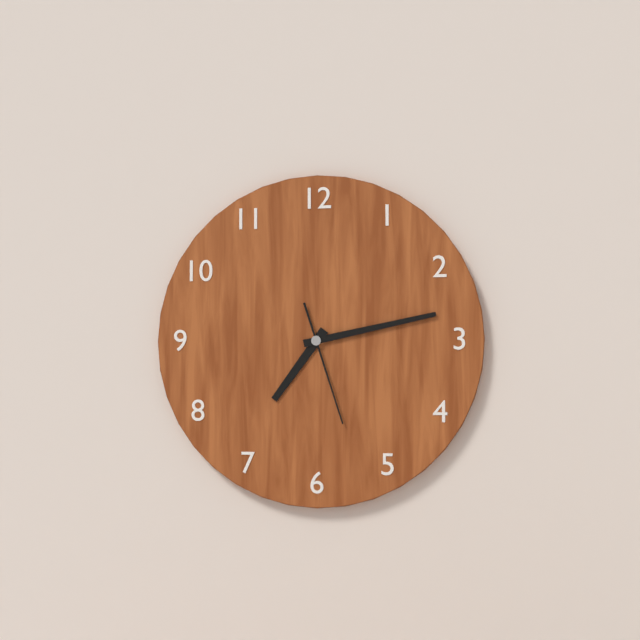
**7:13:27**
